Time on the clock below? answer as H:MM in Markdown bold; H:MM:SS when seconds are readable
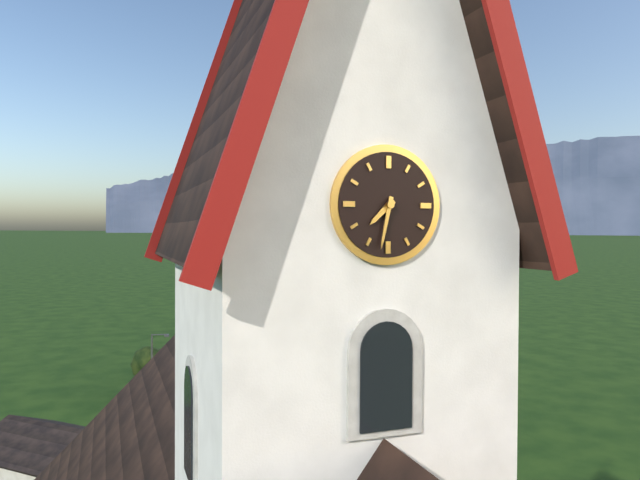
**7:32**
